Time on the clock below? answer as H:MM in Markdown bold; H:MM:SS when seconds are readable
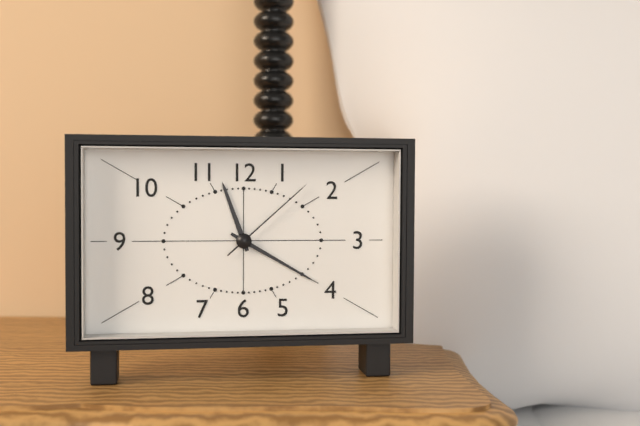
**11:20:08**
